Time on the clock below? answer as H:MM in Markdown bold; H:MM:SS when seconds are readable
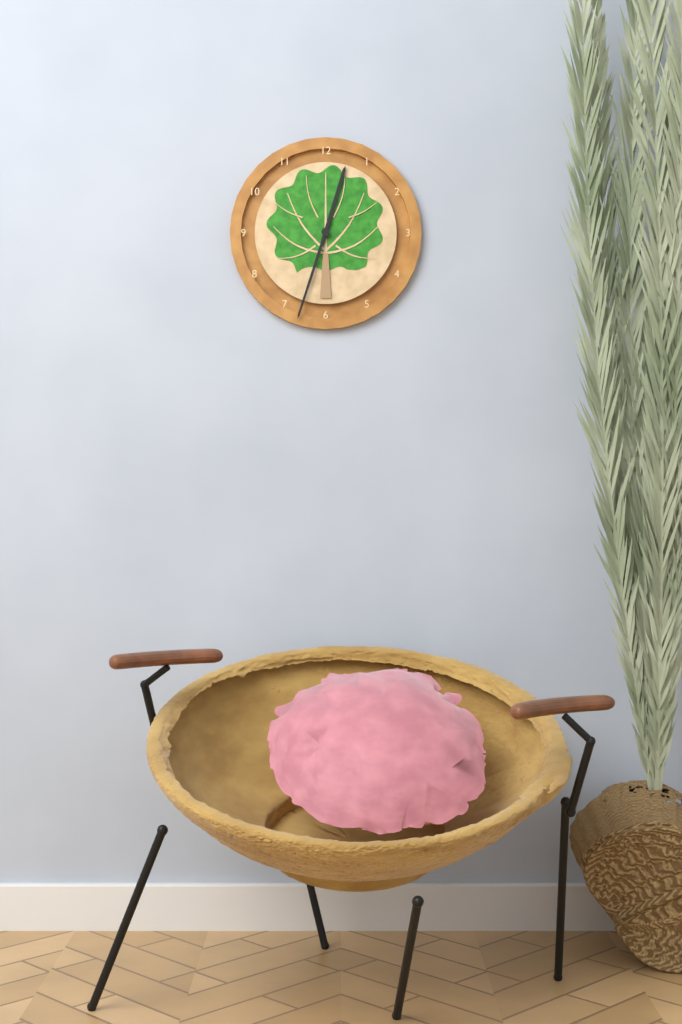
**12:33**
